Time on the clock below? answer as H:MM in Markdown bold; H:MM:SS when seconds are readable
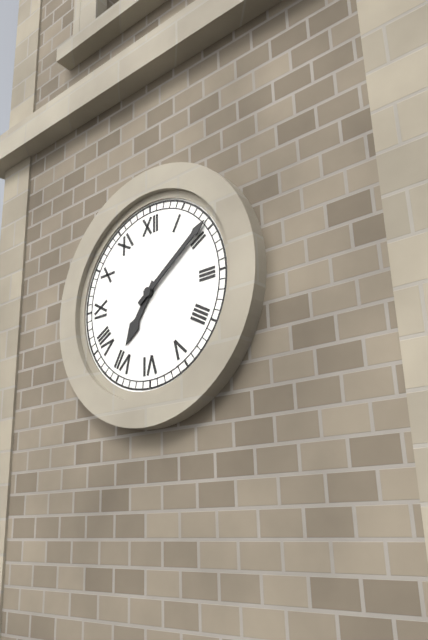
**7:09**
